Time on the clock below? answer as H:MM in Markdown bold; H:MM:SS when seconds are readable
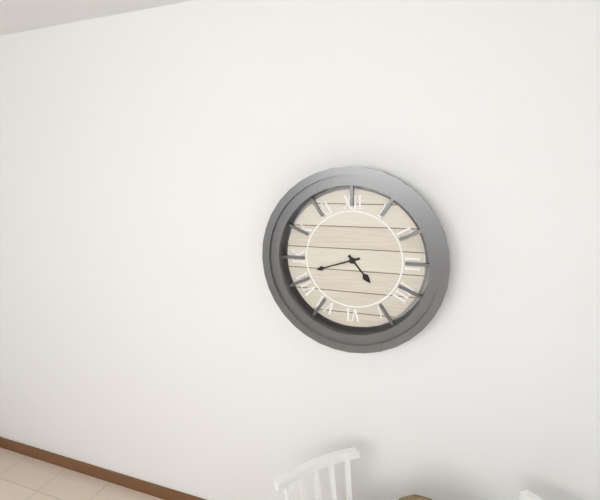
**4:42**
